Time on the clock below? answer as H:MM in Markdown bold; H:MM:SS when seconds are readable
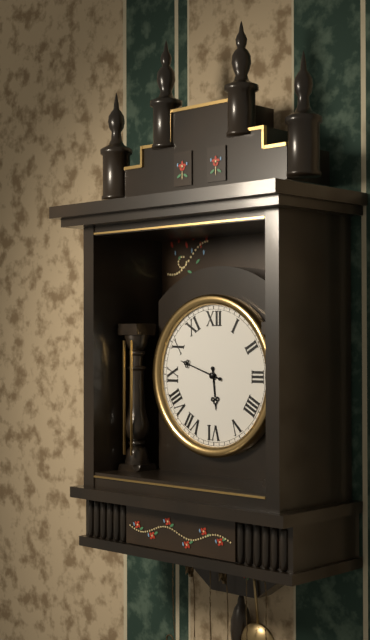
**5:48**
